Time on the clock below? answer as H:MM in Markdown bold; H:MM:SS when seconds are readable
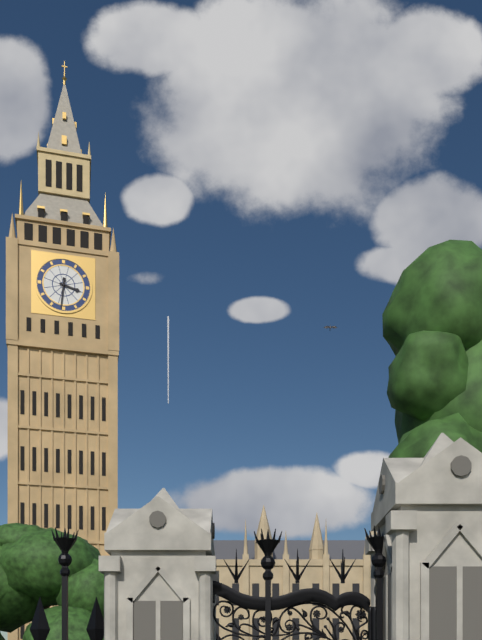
**3:31**
